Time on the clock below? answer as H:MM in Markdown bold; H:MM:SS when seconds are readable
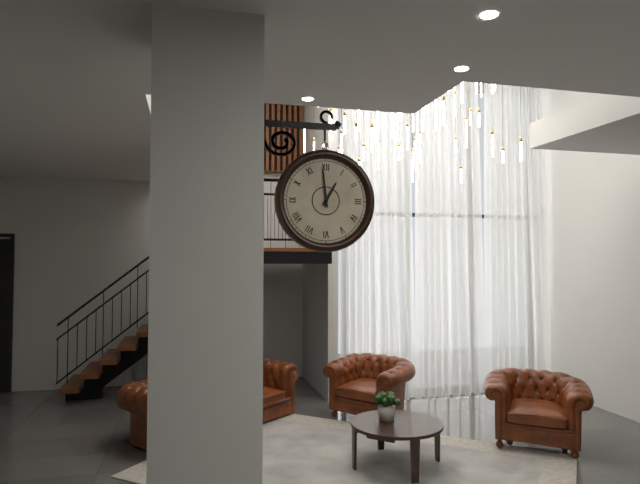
**12:59**
